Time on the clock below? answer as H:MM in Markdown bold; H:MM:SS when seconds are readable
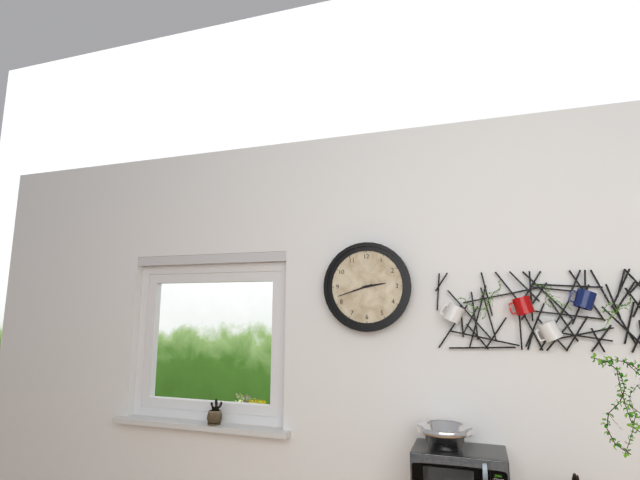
**2:42**
